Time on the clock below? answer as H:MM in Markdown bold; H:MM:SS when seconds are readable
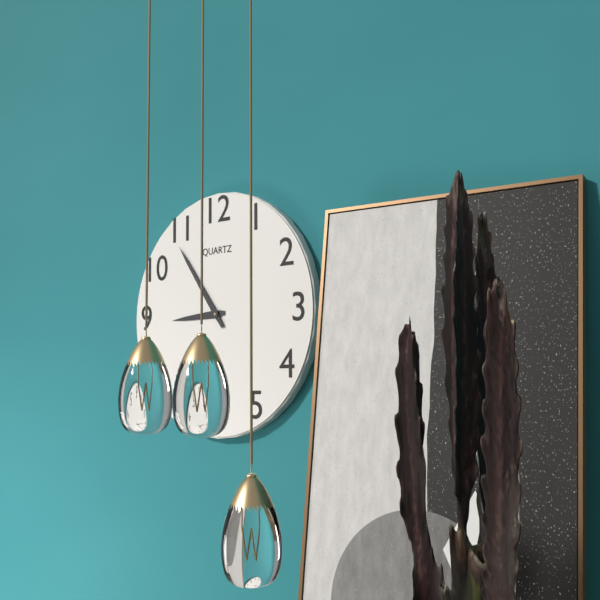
**8:54**
